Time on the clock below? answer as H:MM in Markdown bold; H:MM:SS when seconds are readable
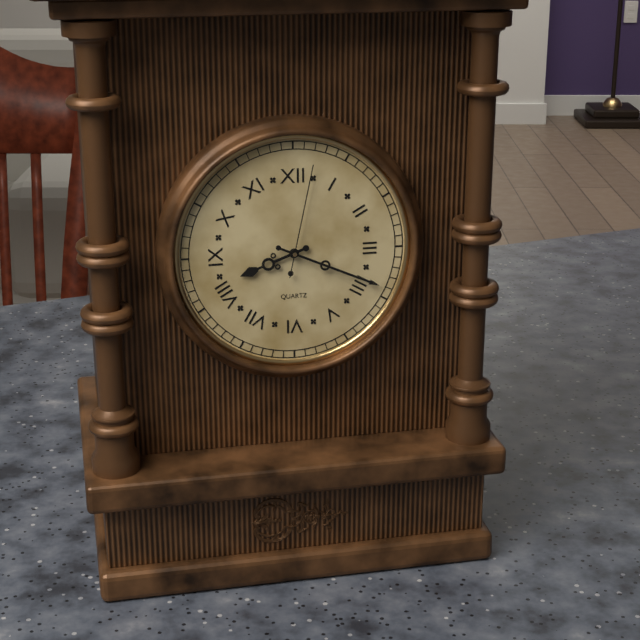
**8:19:02**
